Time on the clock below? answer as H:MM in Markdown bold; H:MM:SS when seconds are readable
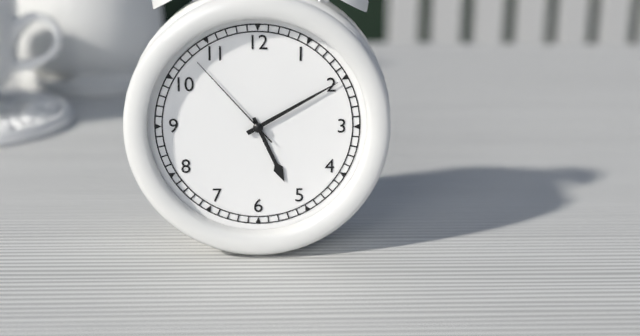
**5:10:53**
